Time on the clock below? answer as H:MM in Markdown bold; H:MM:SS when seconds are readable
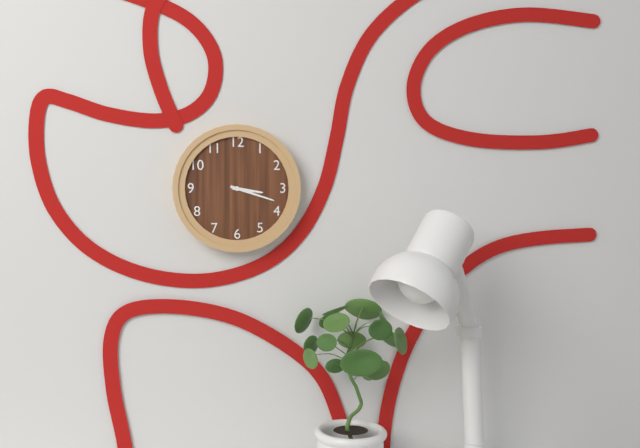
**3:18**
